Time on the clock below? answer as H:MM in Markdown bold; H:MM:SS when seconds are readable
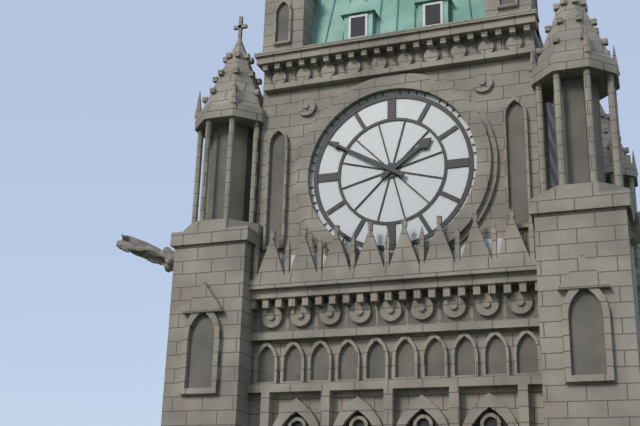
**1:50**
